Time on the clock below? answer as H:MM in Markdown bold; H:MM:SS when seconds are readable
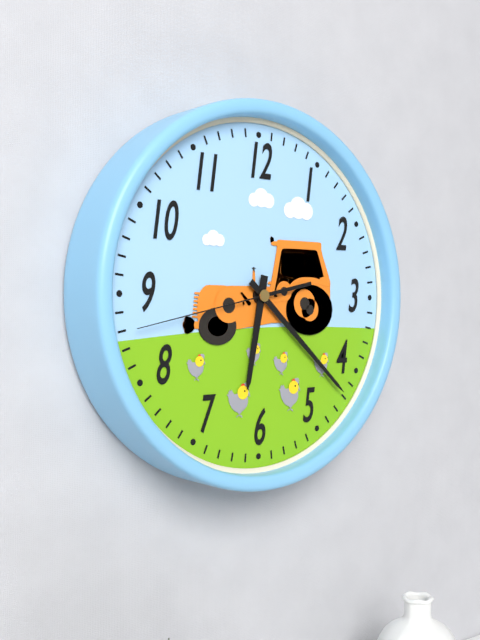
**6:22:43**
